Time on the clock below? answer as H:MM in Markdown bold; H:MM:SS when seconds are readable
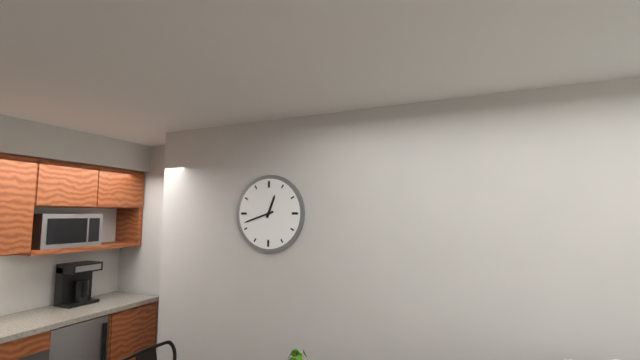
**12:42**
